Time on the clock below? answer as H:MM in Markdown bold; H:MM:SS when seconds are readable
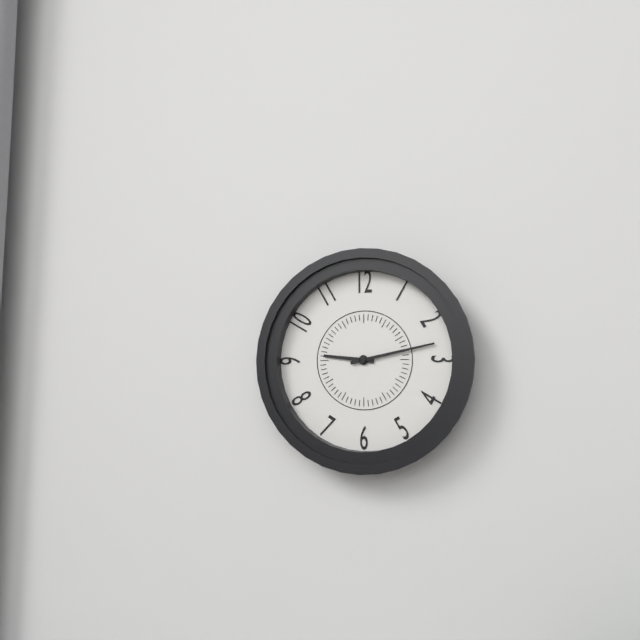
**9:13**
